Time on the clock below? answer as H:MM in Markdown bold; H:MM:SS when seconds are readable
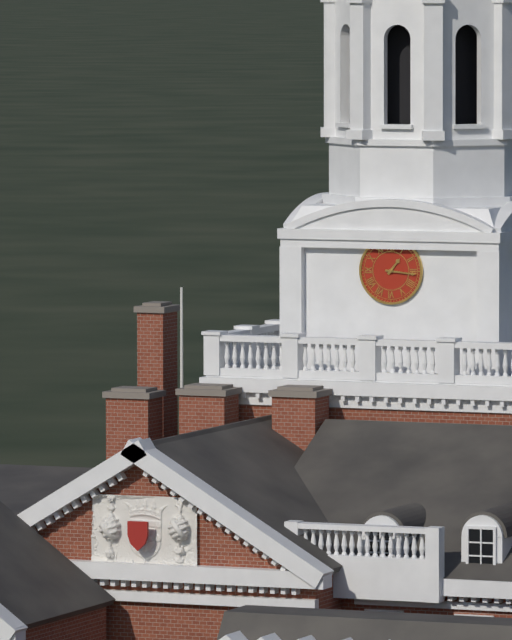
**1:16**
